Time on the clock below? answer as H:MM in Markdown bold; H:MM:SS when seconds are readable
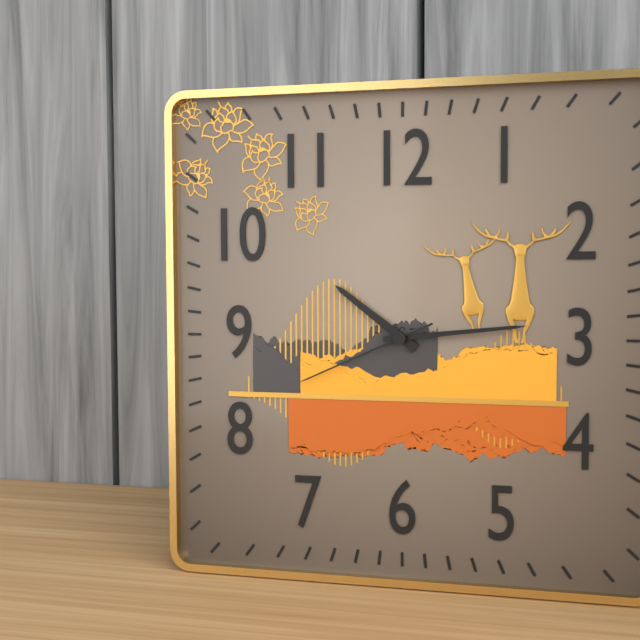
**10:14:41**
